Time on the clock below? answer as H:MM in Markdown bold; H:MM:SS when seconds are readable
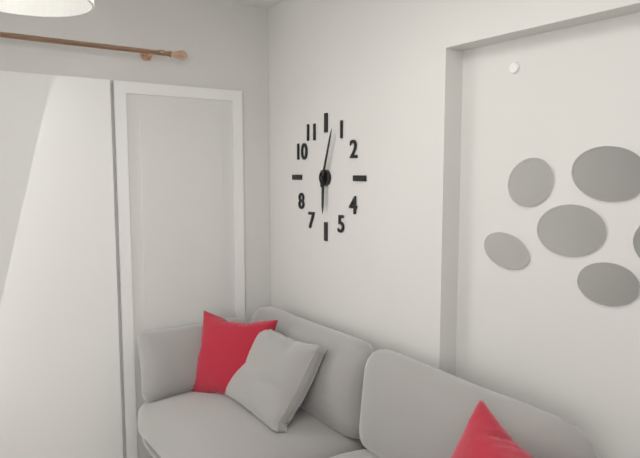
**6:03**
